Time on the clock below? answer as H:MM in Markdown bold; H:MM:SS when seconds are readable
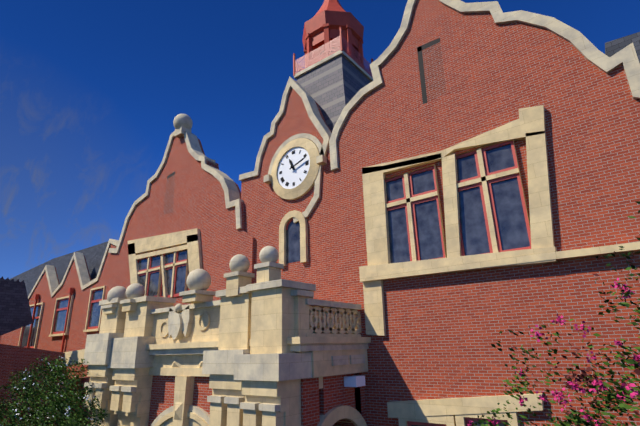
**11:12**
